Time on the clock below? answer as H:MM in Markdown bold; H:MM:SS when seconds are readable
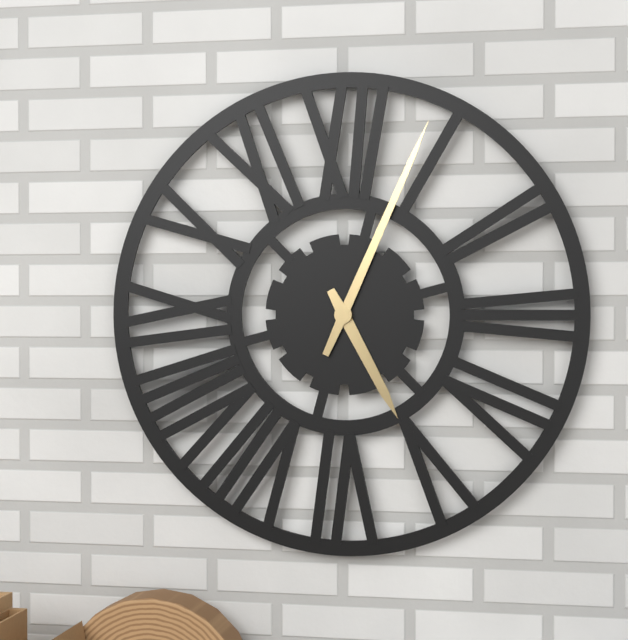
**5:04**
